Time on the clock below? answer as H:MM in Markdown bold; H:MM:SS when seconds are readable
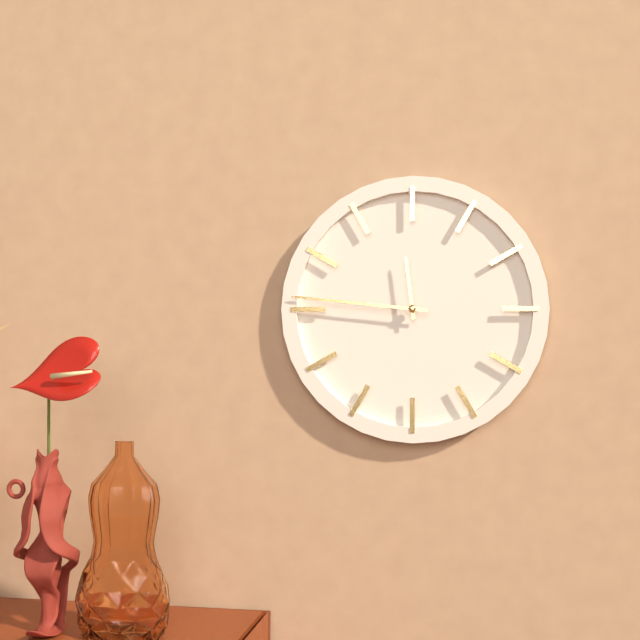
**11:46**
